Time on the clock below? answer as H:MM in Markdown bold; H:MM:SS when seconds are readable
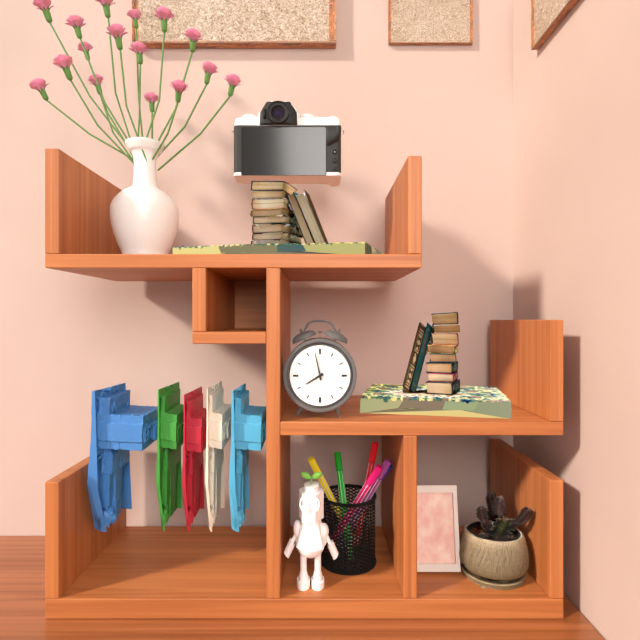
**7:58**
